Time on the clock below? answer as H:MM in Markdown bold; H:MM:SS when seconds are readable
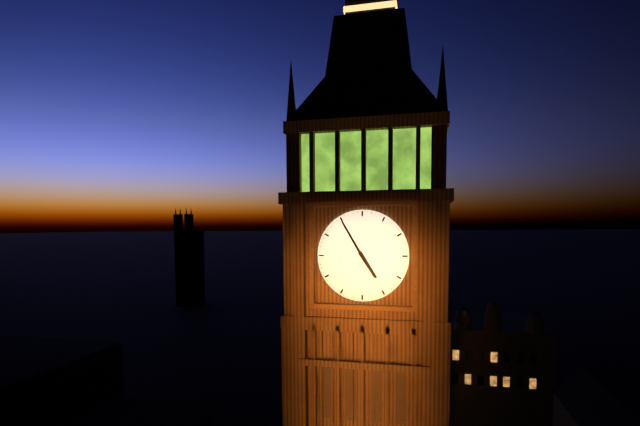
**4:55**
